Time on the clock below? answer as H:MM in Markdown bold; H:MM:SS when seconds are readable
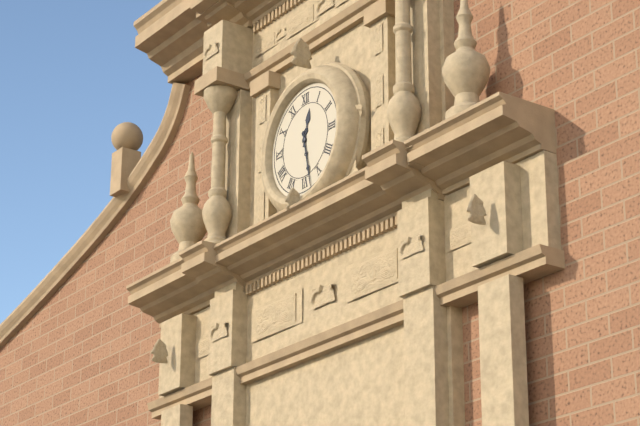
**12:28**
